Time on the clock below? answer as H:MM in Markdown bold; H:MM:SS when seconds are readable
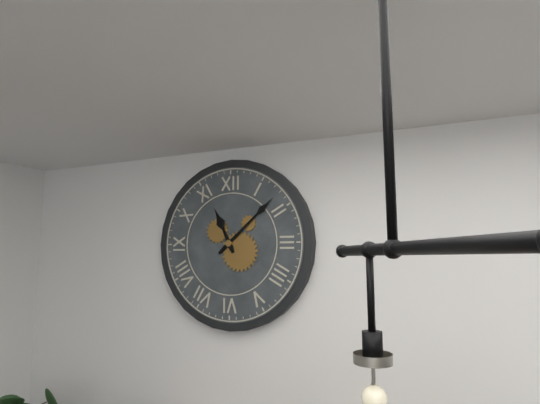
**11:08**
